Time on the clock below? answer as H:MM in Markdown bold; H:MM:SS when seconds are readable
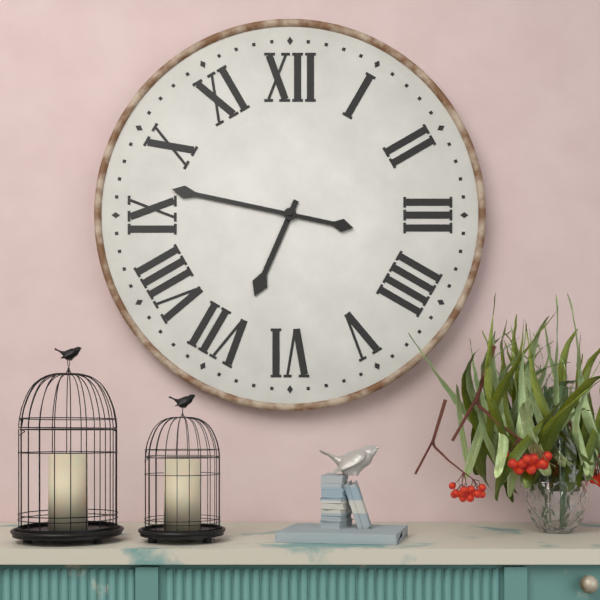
**6:47**
